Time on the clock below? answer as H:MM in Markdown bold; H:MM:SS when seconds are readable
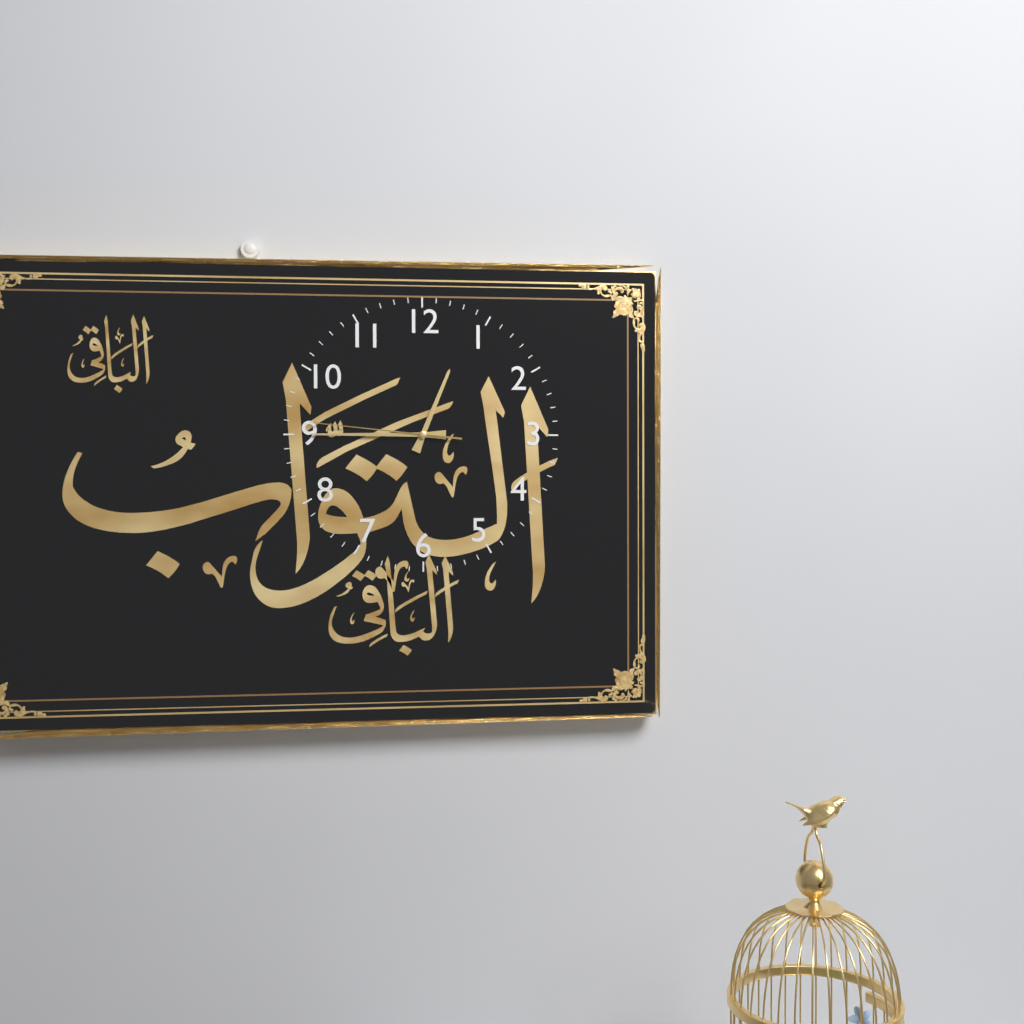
**12:45:46**
